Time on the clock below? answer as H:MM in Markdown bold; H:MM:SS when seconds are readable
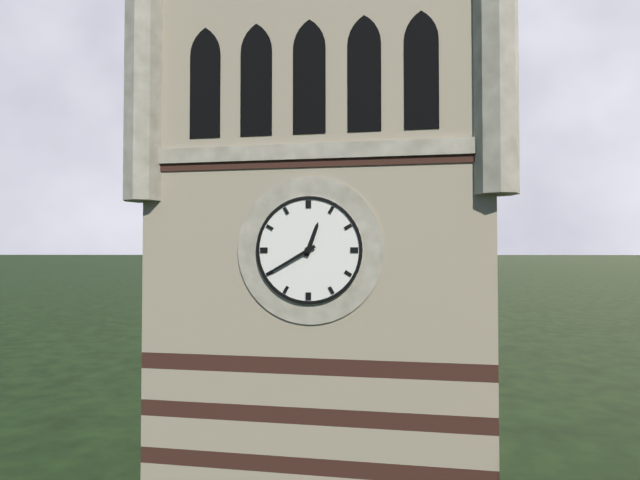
**12:40**
